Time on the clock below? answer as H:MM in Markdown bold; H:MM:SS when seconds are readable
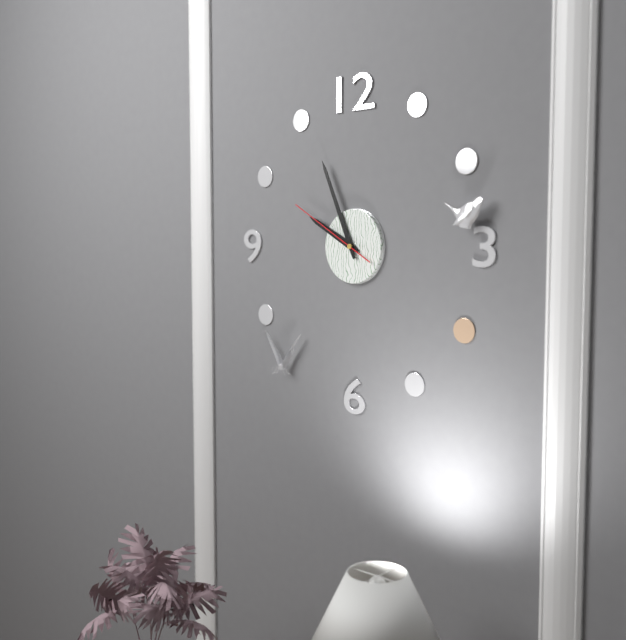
**9:56:50**
